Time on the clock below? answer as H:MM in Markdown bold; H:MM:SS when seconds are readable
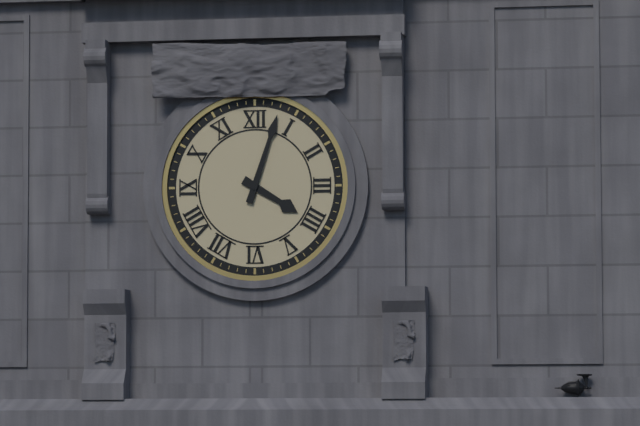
**4:03**
